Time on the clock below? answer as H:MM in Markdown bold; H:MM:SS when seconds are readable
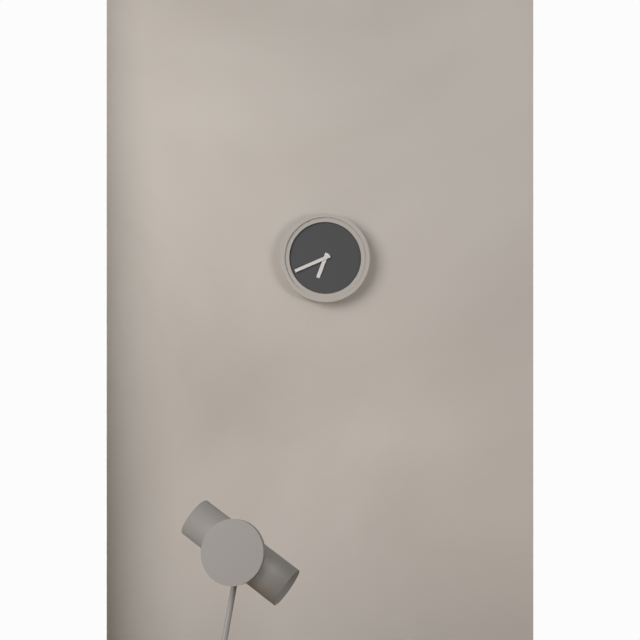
**6:41**
